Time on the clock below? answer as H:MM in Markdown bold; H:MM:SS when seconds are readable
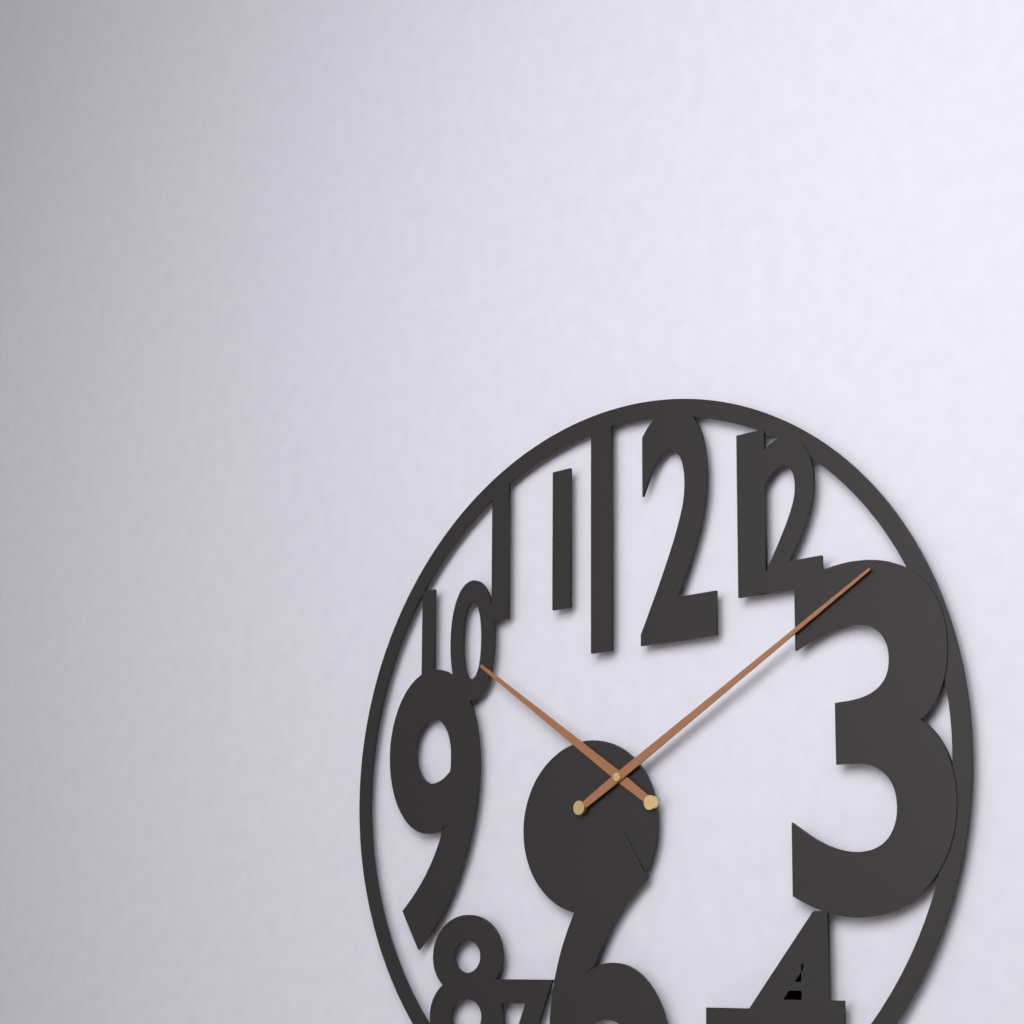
**10:10**
